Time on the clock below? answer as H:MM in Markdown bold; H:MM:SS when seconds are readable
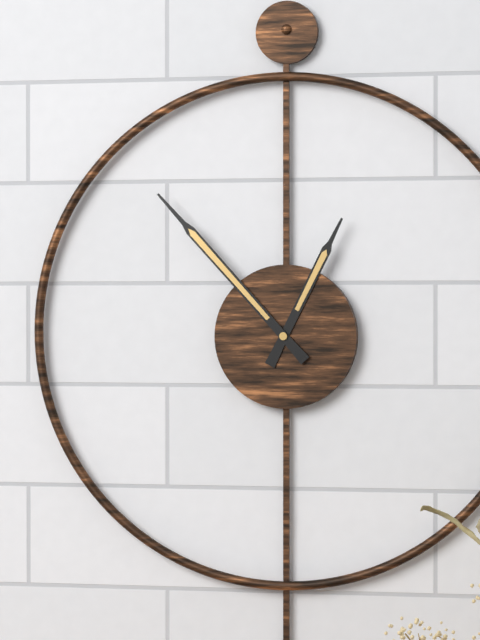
**12:53**
